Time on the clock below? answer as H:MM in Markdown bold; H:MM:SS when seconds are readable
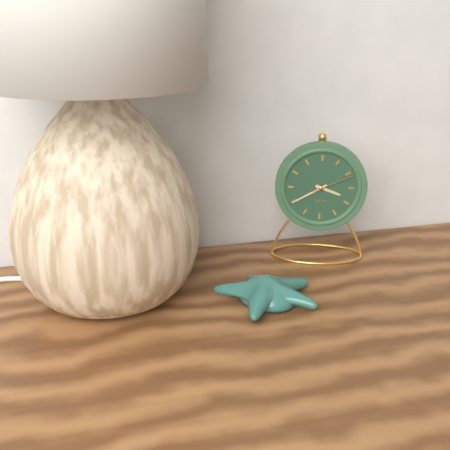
**3:40**
